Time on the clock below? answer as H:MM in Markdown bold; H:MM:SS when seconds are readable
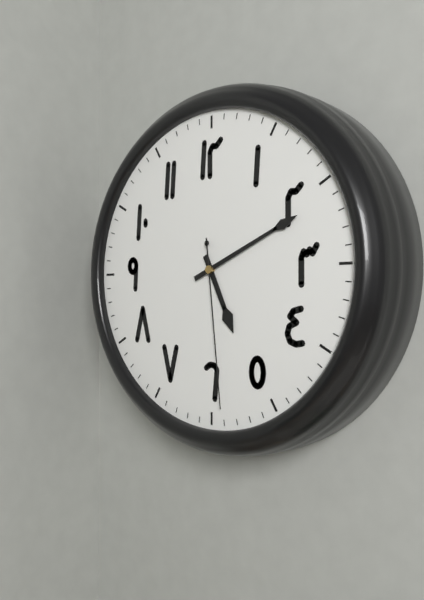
**5:11:29**
